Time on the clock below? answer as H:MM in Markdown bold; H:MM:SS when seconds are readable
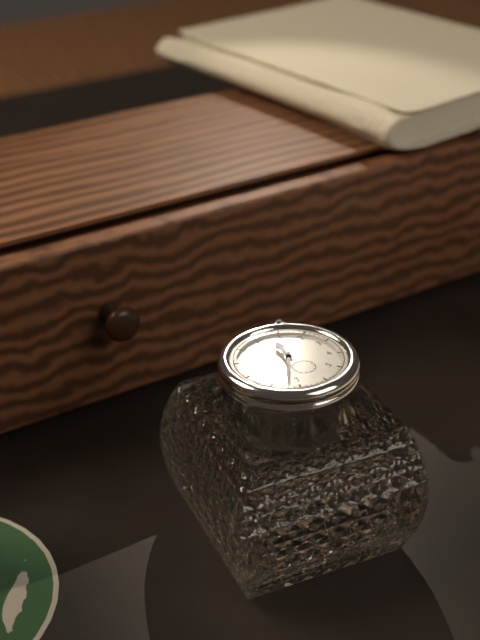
**12:37**
